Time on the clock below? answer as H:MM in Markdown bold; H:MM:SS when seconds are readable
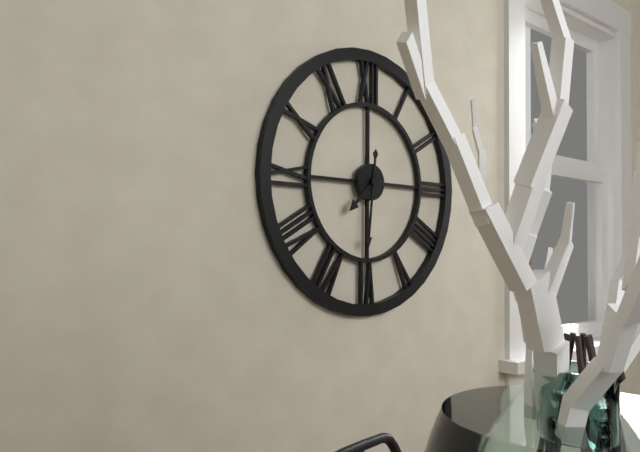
**7:31**
